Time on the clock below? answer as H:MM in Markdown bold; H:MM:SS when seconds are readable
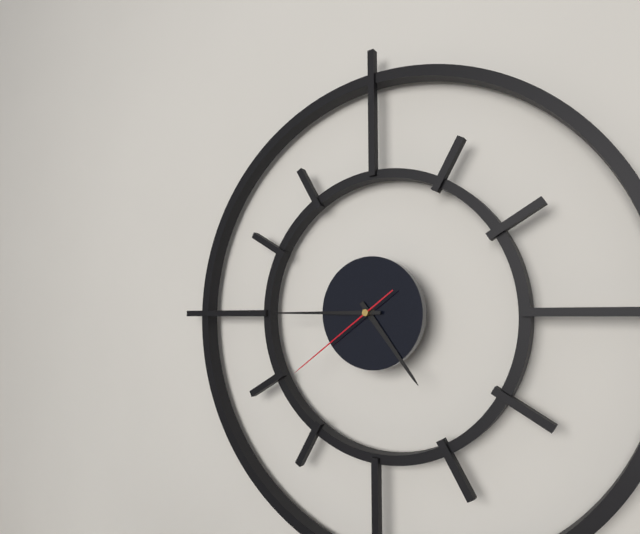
**4:45:39**
